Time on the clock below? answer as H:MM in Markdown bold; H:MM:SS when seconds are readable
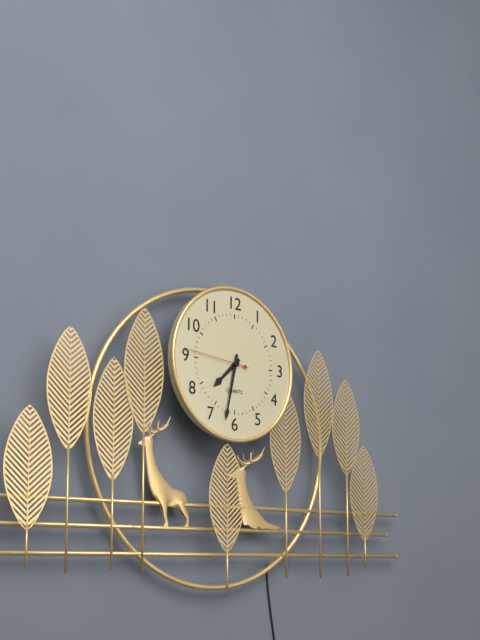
**7:32:46**
